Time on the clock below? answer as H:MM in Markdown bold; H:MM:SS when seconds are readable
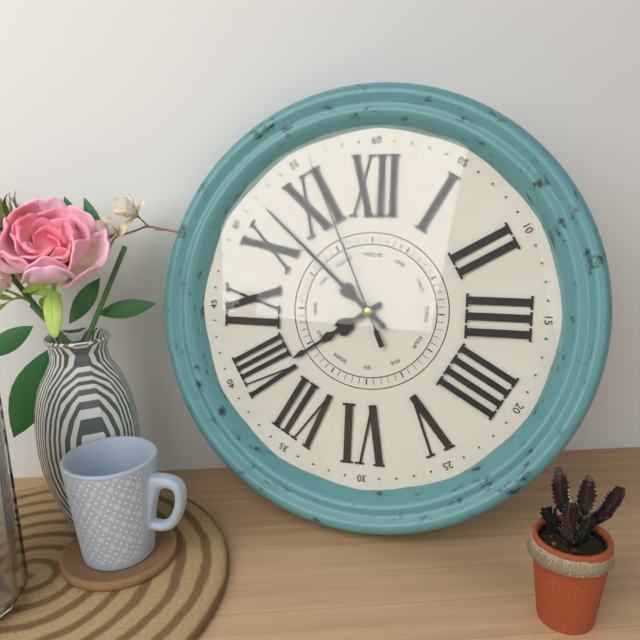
**7:52:56**
